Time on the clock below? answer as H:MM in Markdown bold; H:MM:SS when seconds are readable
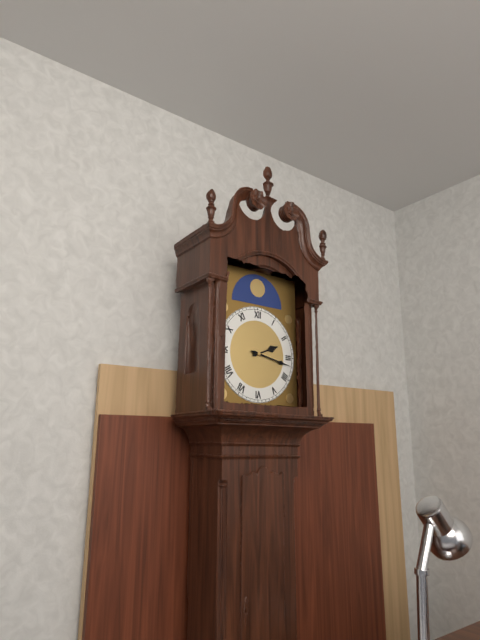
**2:17**
